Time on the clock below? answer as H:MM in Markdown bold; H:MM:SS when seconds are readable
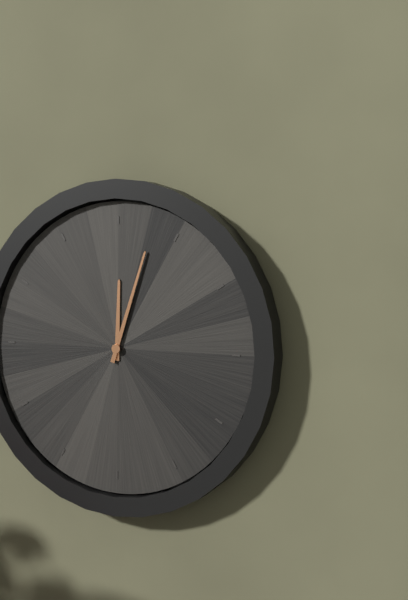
**12:03**
